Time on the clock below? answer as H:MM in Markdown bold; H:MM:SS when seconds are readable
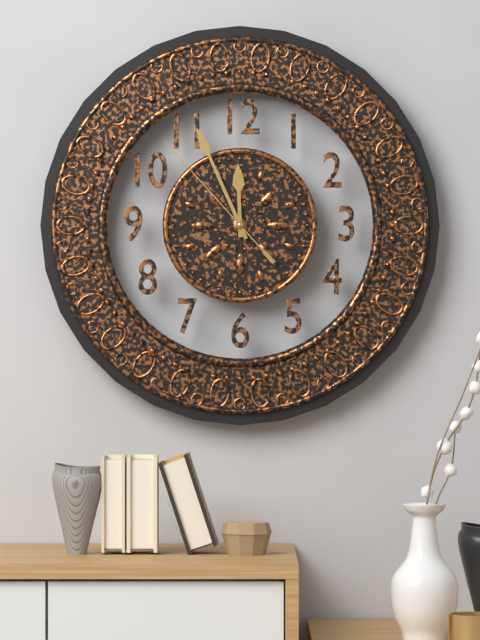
**11:56:53**
